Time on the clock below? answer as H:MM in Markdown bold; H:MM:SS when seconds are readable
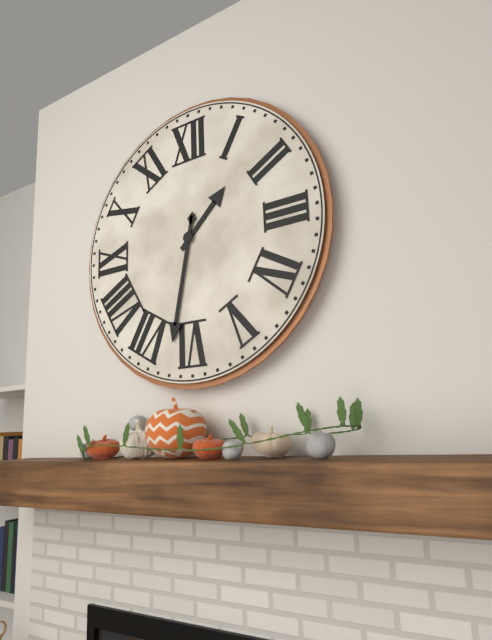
**1:32**
